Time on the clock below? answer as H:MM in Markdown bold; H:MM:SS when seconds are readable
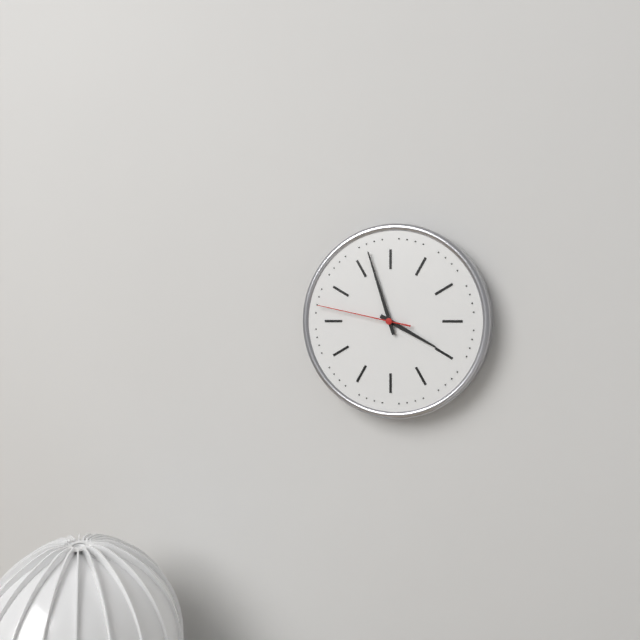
**3:57:47**
